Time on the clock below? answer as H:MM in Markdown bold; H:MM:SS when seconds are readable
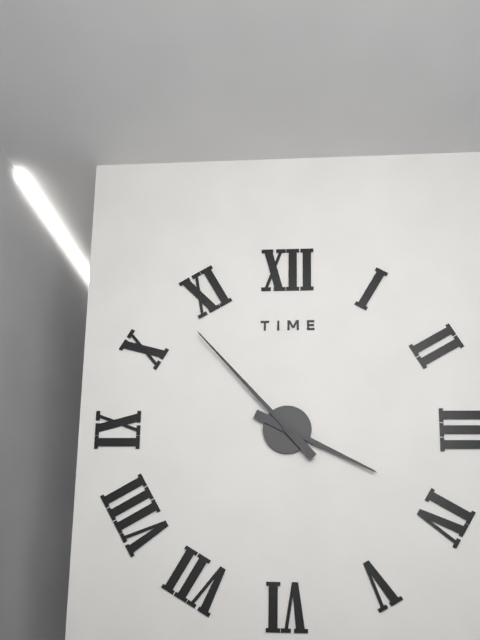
**3:53**
